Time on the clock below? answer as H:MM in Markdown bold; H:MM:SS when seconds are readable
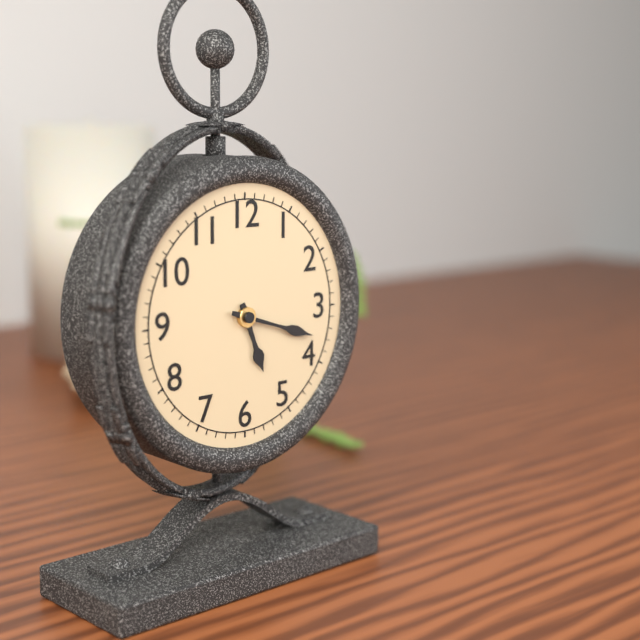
**5:18**
